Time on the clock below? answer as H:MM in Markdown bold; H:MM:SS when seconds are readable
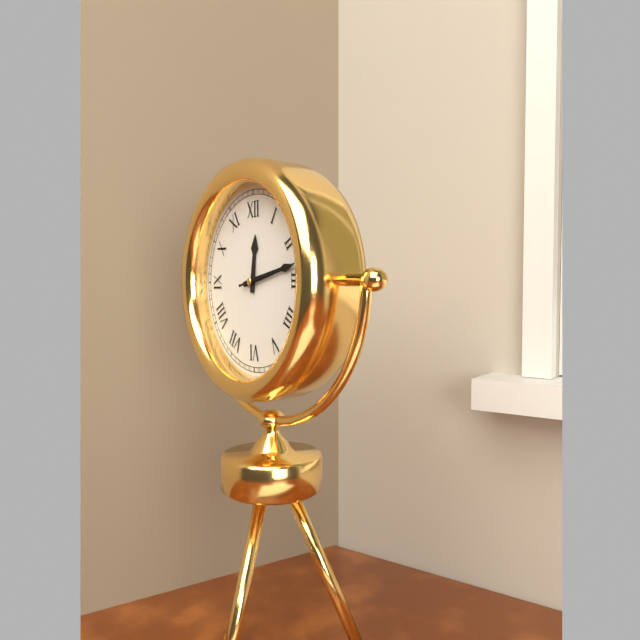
**12:13:13**
